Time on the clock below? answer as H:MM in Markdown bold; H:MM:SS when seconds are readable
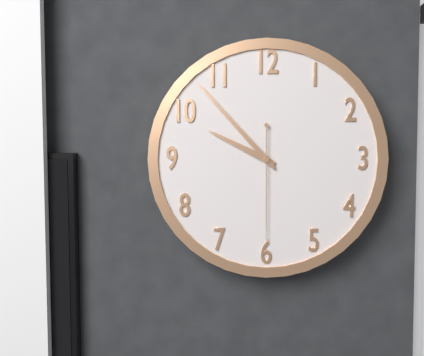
**9:53:30**
